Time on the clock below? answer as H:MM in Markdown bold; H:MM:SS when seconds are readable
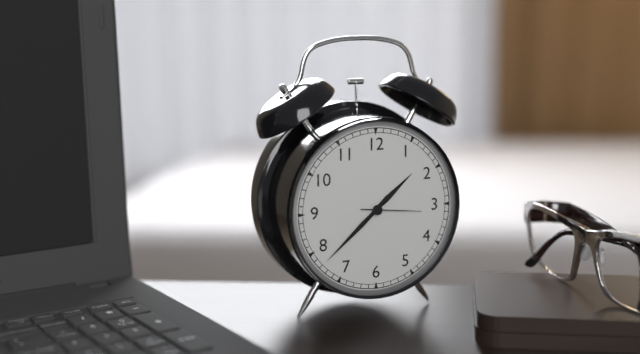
**1:38:16**
